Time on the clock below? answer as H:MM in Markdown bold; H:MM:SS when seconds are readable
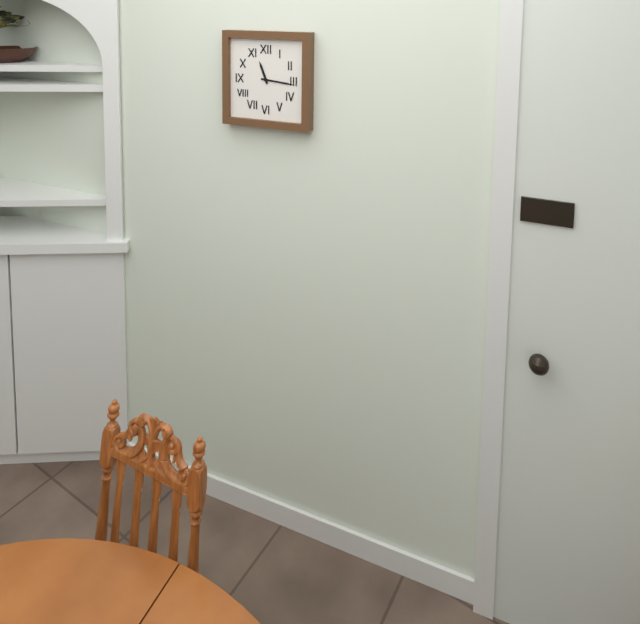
**11:16**
